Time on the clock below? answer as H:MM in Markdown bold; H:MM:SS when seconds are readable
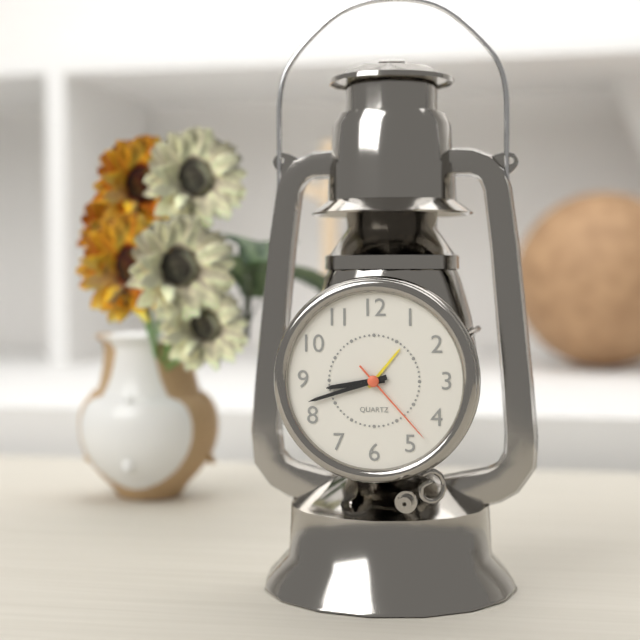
**8:42:23**
